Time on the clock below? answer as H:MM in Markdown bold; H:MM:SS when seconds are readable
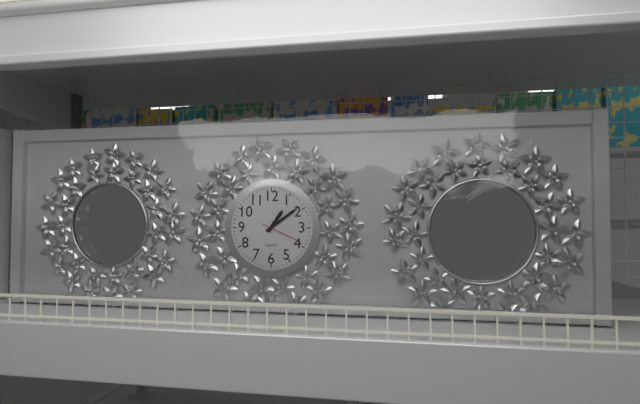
**1:09**
